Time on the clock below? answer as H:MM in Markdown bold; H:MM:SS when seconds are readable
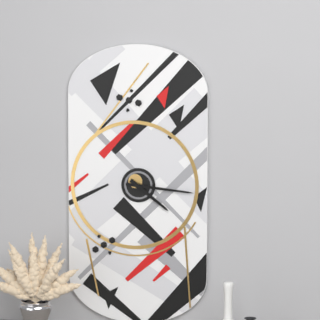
**4:16**
